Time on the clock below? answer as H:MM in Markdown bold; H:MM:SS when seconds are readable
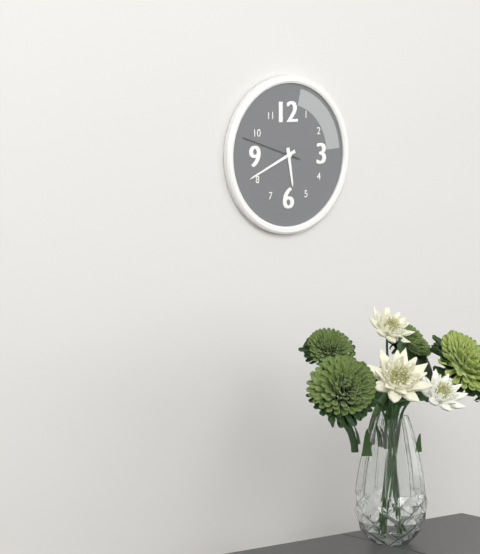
**5:41:48**
